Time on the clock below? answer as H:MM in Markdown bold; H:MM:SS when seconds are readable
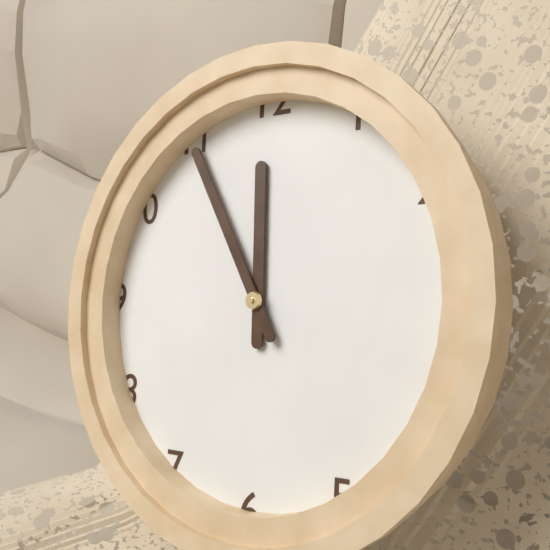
**11:55**
